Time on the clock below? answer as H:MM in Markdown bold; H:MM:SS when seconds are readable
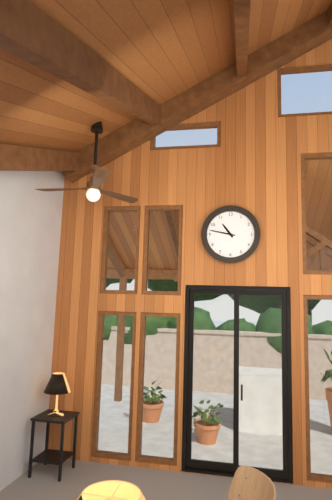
**10:47**
